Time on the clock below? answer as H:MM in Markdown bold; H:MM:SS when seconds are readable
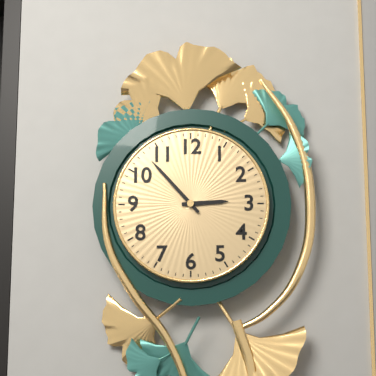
**2:53**
